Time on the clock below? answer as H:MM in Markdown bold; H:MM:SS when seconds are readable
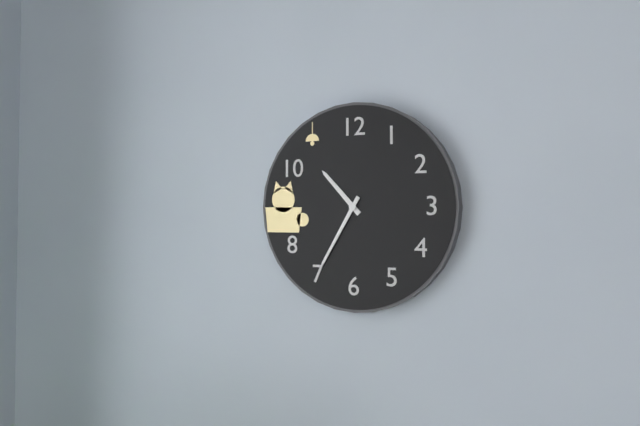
**10:35**
